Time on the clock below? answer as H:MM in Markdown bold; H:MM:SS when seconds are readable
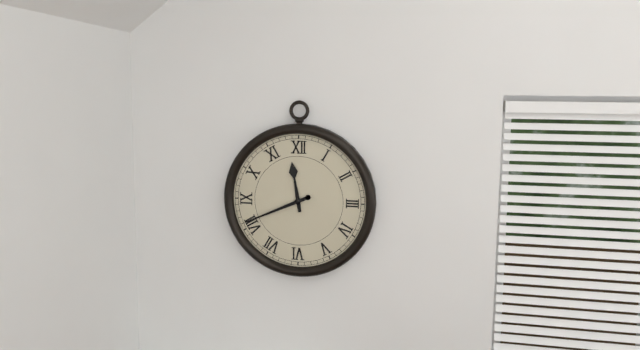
**11:41**
